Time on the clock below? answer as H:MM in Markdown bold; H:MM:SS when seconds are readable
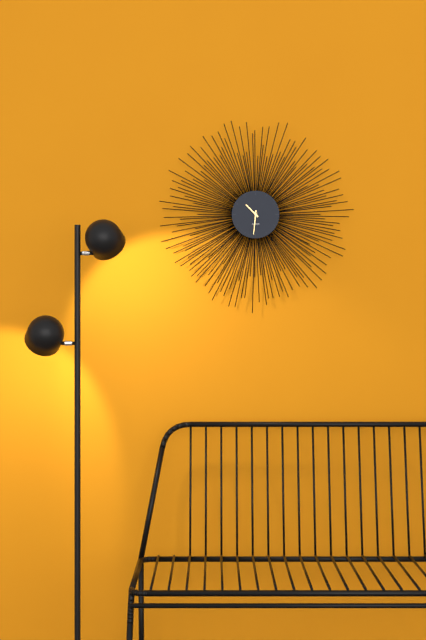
**10:31**
